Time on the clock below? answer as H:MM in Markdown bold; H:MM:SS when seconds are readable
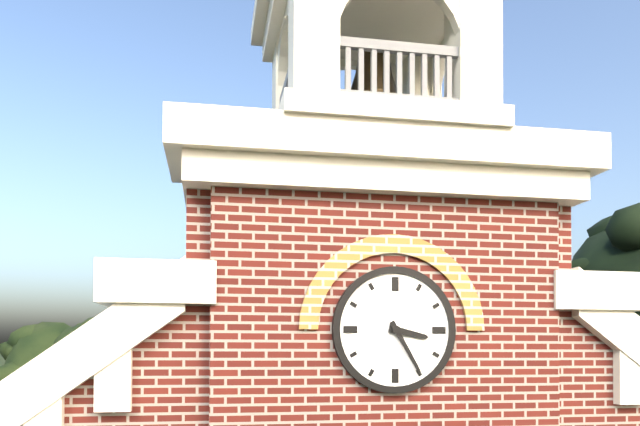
**3:25**
